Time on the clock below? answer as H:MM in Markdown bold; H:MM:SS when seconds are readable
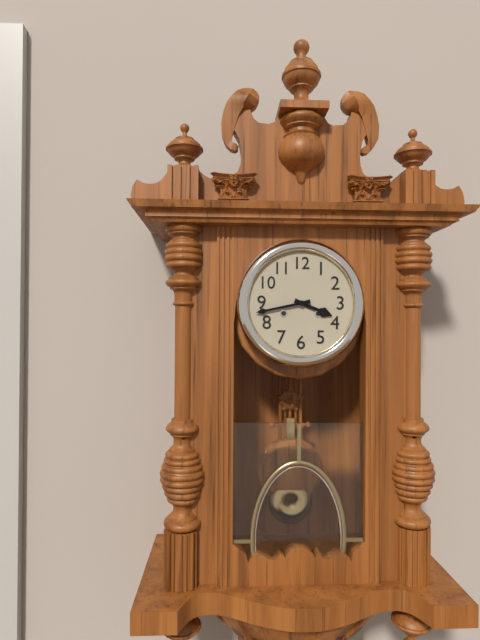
**3:43**
